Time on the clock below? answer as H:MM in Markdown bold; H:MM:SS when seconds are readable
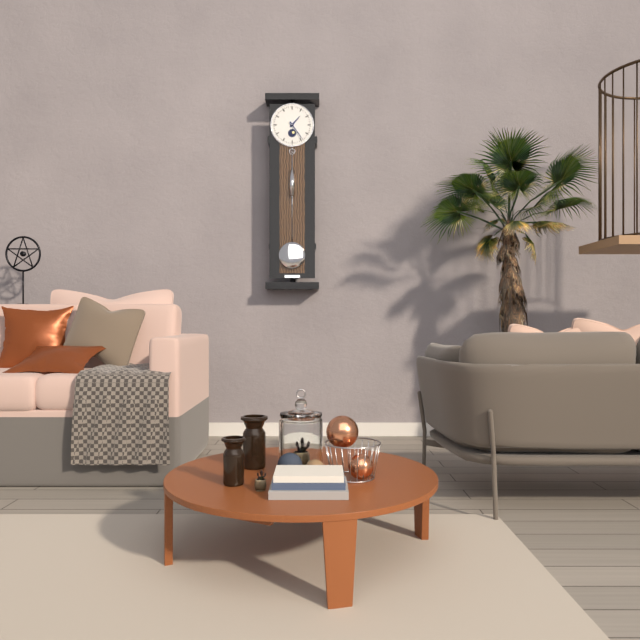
**1:24**
